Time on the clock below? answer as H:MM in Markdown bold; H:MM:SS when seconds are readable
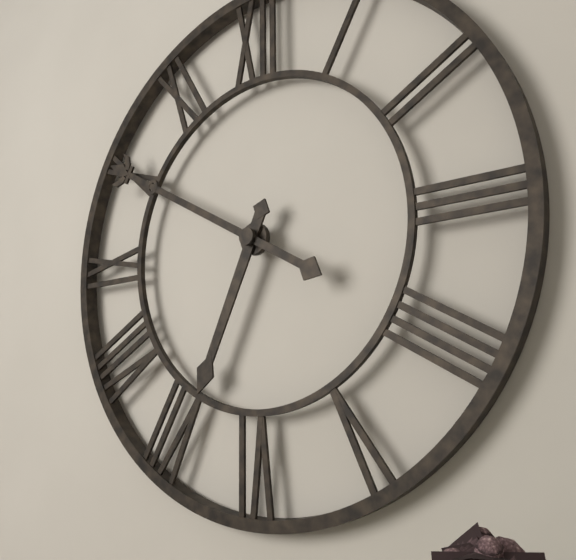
**6:50**
